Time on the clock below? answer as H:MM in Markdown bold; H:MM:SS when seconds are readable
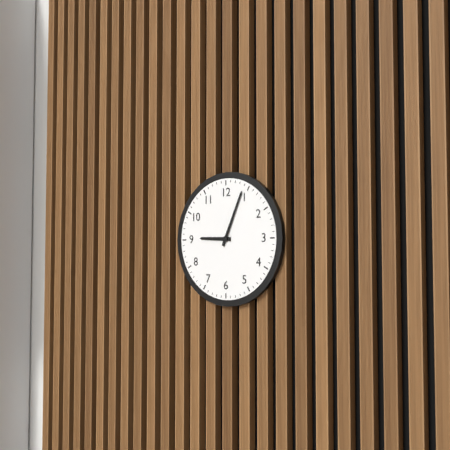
**9:04**
